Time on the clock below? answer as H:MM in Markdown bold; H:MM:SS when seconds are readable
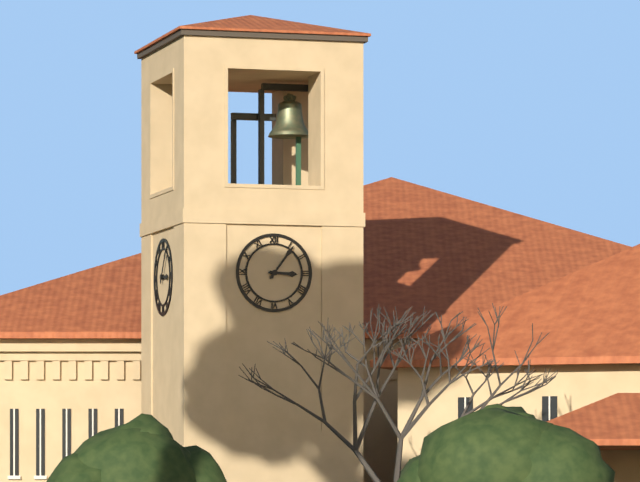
**3:06**
